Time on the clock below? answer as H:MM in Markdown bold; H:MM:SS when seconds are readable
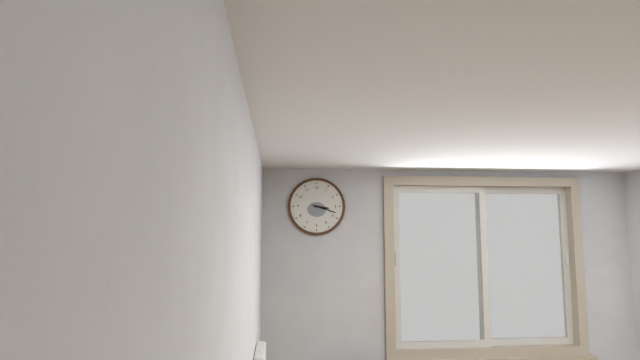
**3:18**
